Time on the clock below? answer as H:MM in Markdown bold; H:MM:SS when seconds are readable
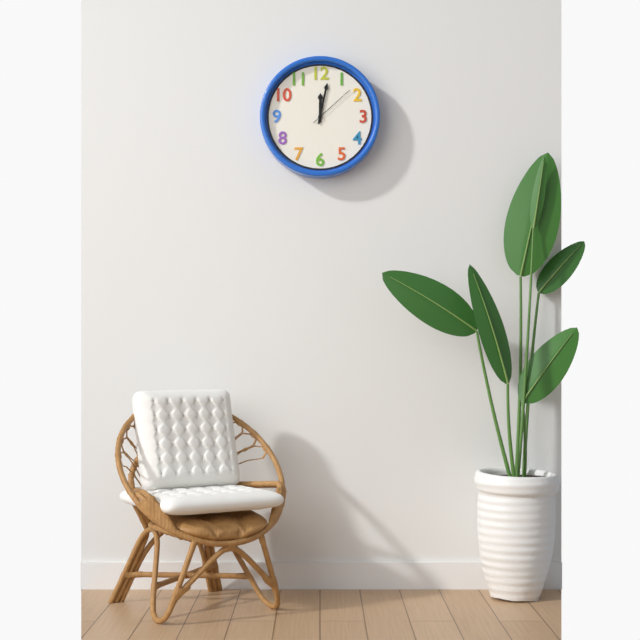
**12:02:08**
